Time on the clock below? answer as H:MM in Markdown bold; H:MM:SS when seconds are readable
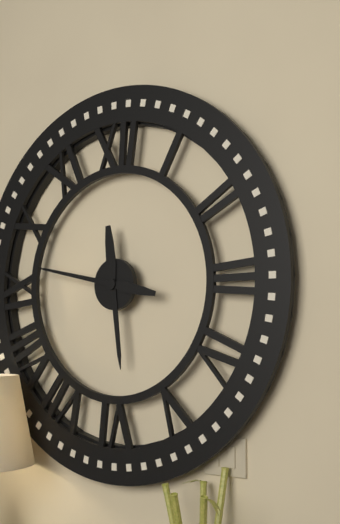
**5:47**
